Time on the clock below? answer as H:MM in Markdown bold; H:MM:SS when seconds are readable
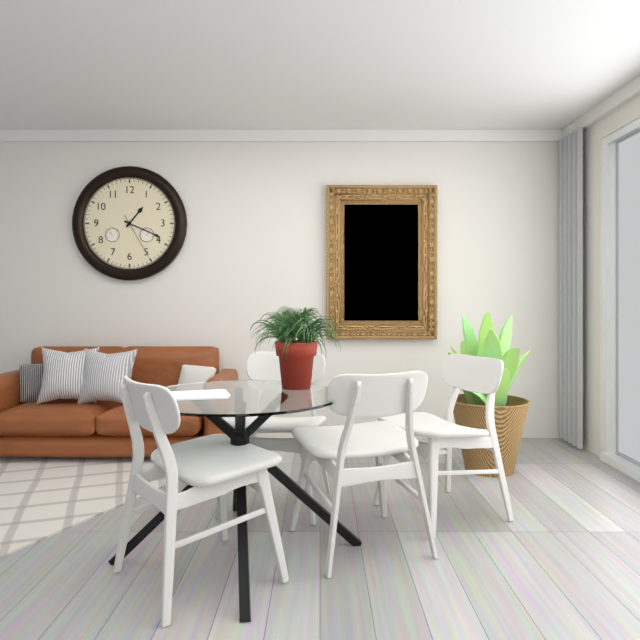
**1:19**
